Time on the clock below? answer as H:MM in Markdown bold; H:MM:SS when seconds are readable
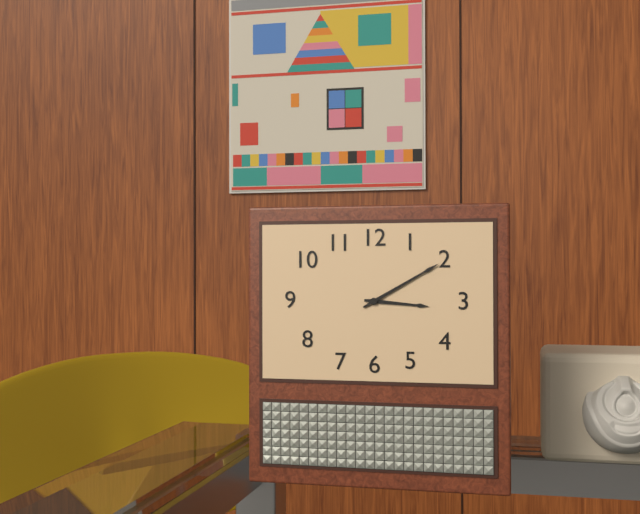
**3:10**
